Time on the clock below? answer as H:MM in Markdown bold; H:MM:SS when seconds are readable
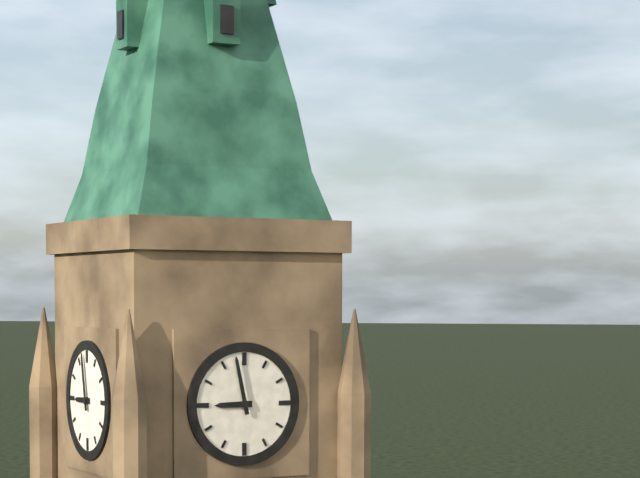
**8:58**
